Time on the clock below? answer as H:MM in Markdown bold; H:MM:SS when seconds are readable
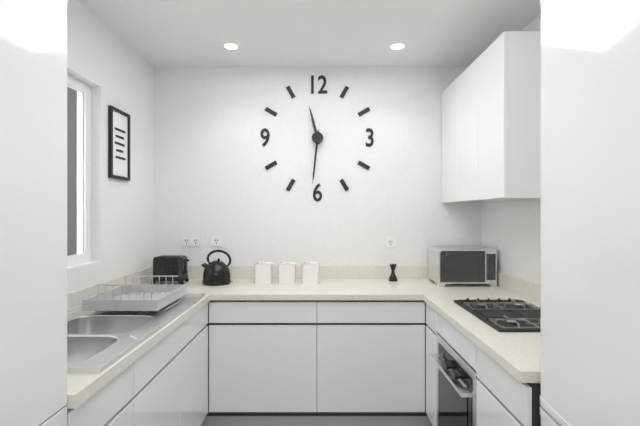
**11:31**
